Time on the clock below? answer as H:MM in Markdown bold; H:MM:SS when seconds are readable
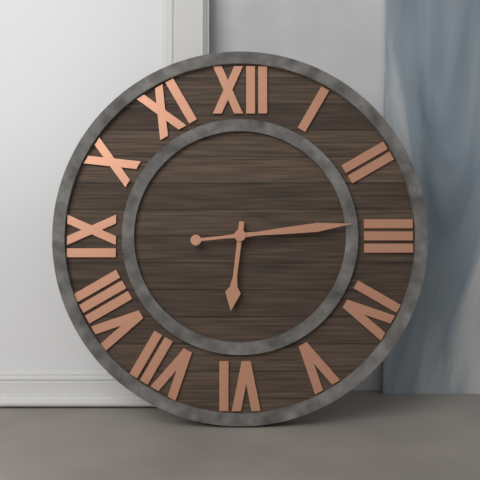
**6:14**
